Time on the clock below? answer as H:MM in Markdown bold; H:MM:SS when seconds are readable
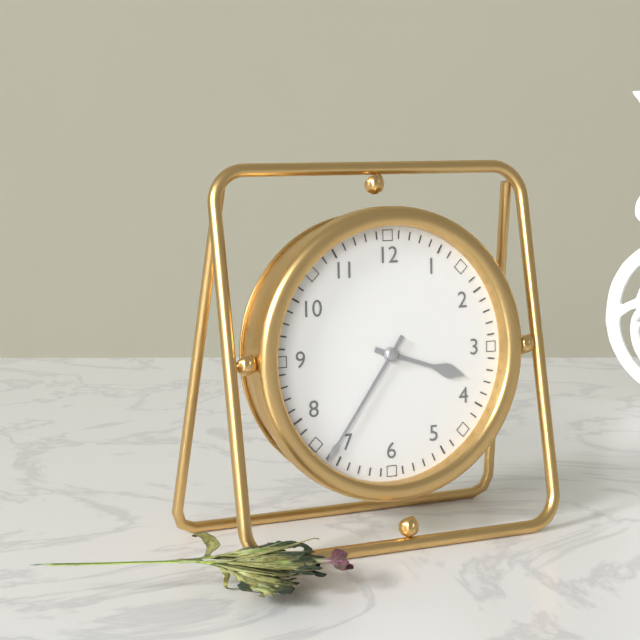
**3:36**
